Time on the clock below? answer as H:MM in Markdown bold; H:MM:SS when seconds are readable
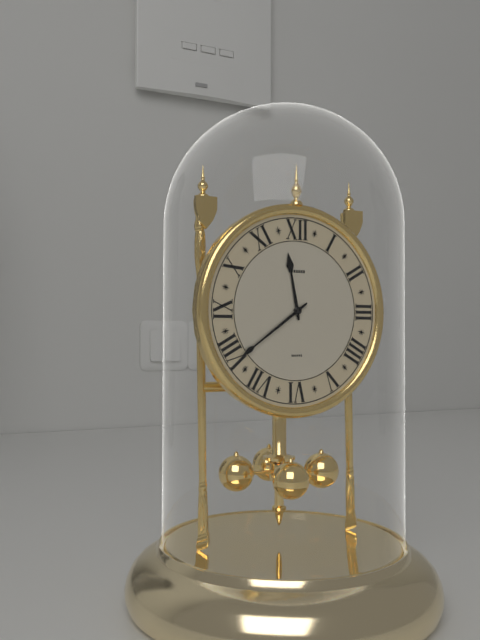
**11:39**
